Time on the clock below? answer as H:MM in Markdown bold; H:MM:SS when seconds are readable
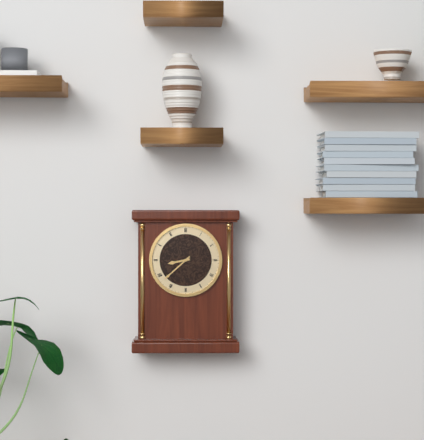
**8:38**
